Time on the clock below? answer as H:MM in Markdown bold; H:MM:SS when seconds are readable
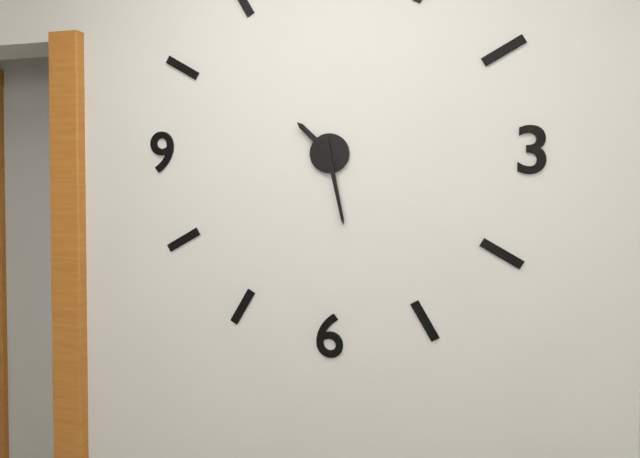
**10:28**
